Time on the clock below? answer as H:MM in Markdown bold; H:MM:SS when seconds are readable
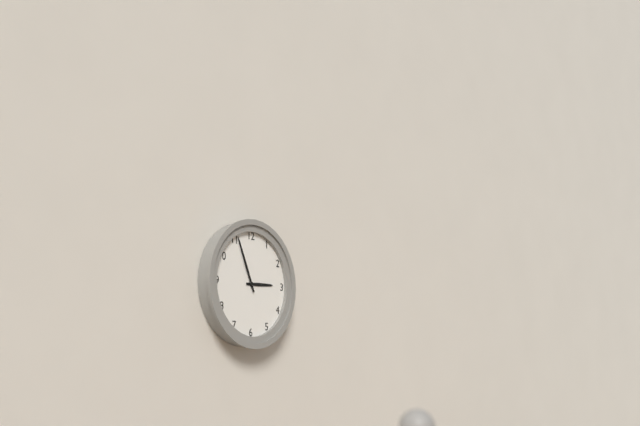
**2:56**
